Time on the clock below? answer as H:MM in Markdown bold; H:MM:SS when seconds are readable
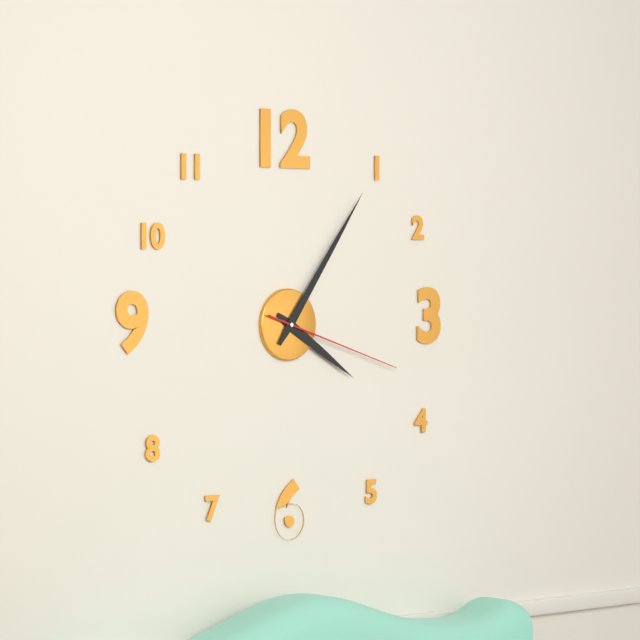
**4:06:18**
